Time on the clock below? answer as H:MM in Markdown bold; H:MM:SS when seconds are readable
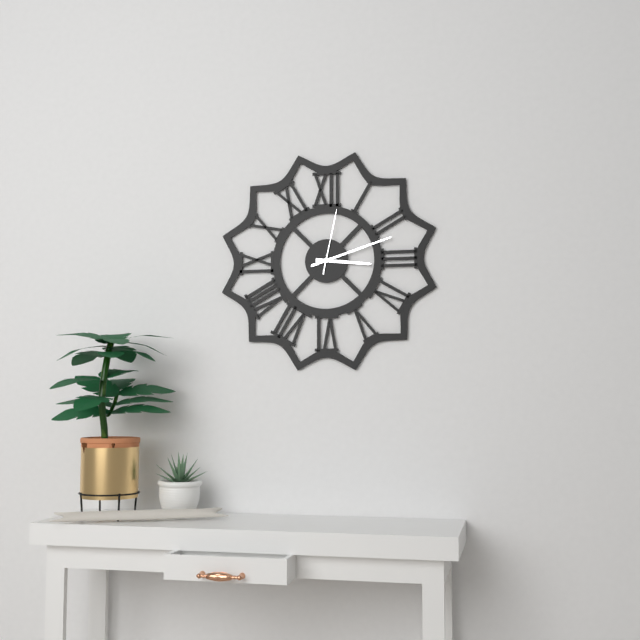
**3:12:02**
